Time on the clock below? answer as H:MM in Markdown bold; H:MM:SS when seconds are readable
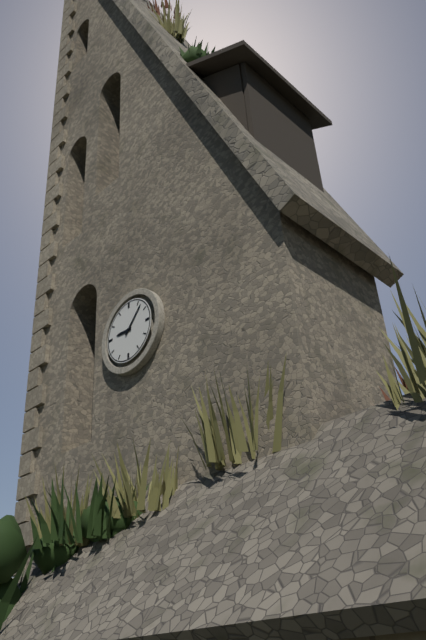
**9:07**
